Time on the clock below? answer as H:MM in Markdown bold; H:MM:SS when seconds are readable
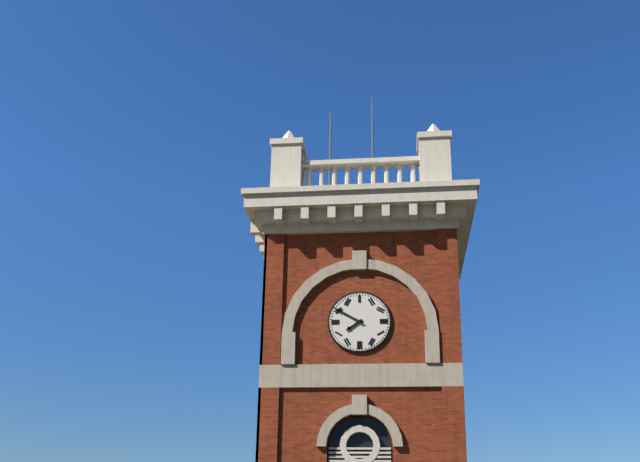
**7:50**
